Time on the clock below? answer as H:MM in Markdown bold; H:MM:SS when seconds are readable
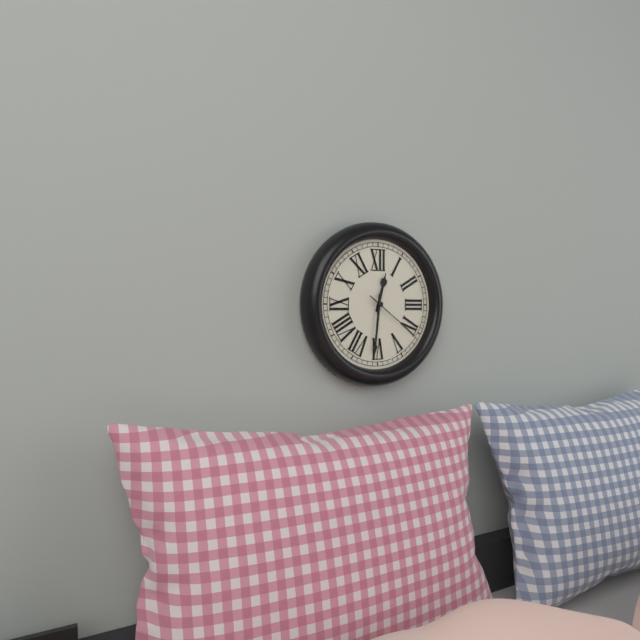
**12:31:21**
